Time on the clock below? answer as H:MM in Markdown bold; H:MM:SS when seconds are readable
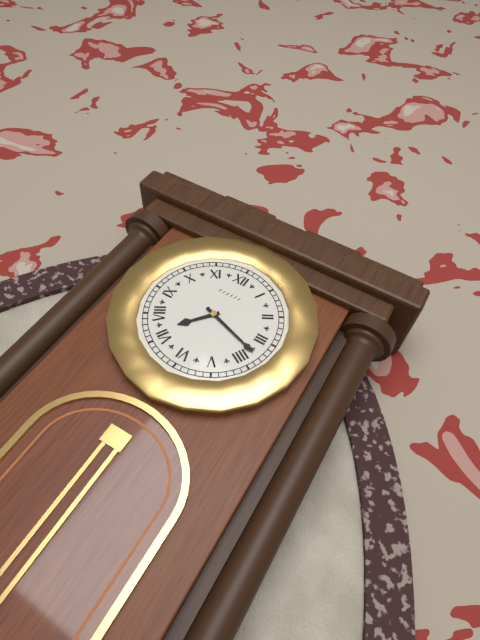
**7:18**
